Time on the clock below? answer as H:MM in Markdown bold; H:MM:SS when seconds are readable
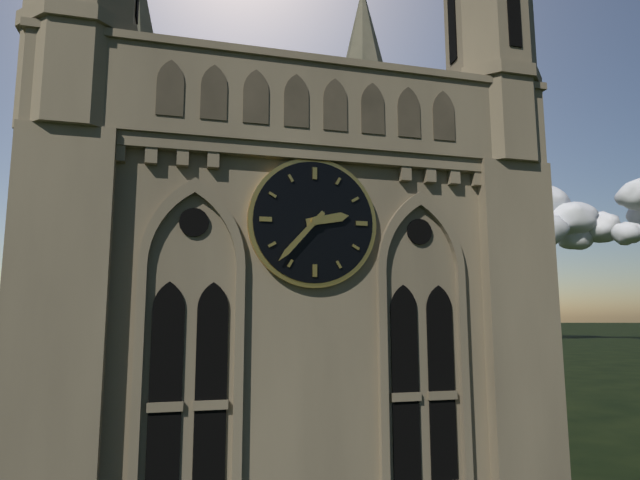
**2:37**
